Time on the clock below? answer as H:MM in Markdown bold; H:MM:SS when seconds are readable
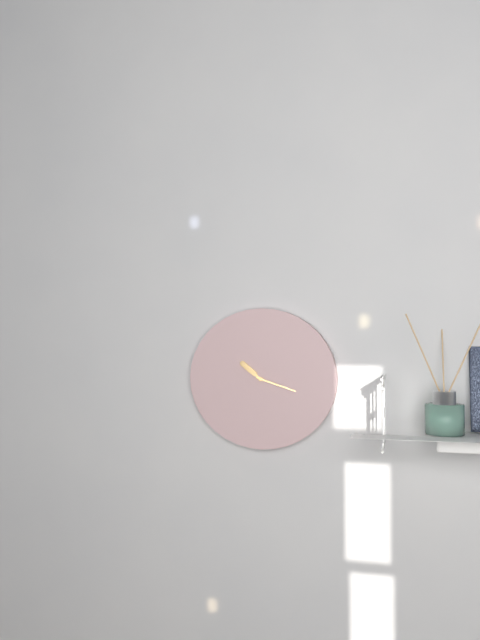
**10:18**
